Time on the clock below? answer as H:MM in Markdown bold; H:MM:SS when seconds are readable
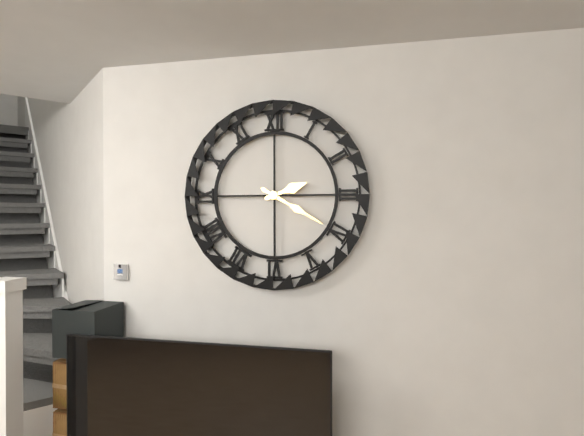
**2:20**
